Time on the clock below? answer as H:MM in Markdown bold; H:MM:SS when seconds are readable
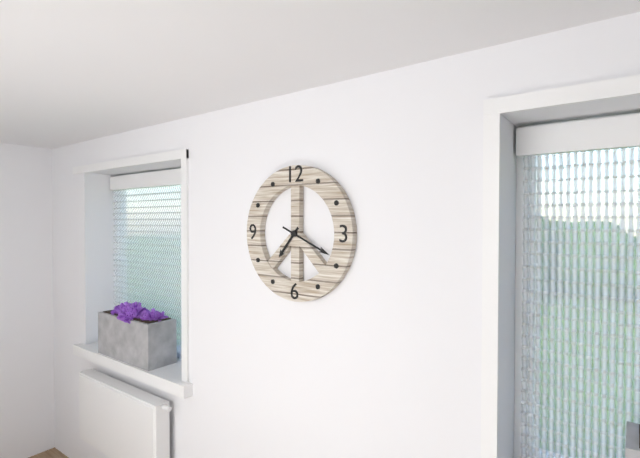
**7:19**
